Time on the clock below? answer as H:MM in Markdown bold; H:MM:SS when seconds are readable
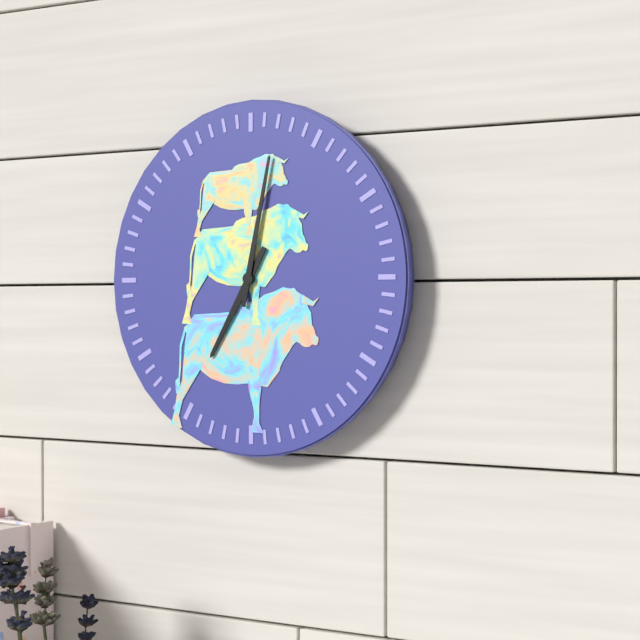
**7:02**
